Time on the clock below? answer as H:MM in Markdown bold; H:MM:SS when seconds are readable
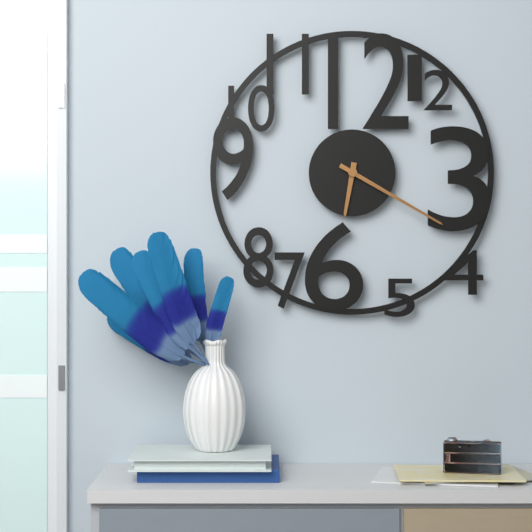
**6:20**
